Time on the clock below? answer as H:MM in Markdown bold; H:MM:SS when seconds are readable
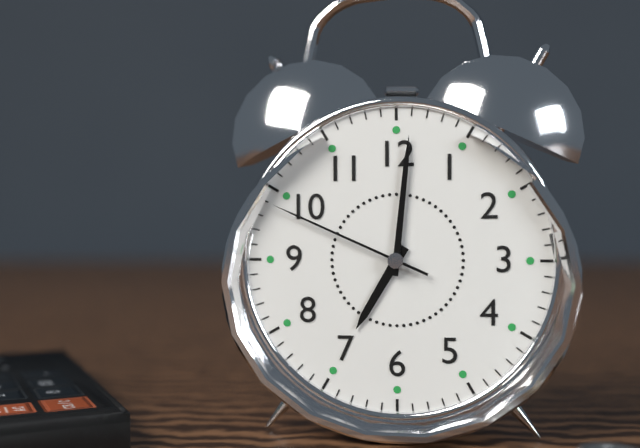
**7:01:49**
